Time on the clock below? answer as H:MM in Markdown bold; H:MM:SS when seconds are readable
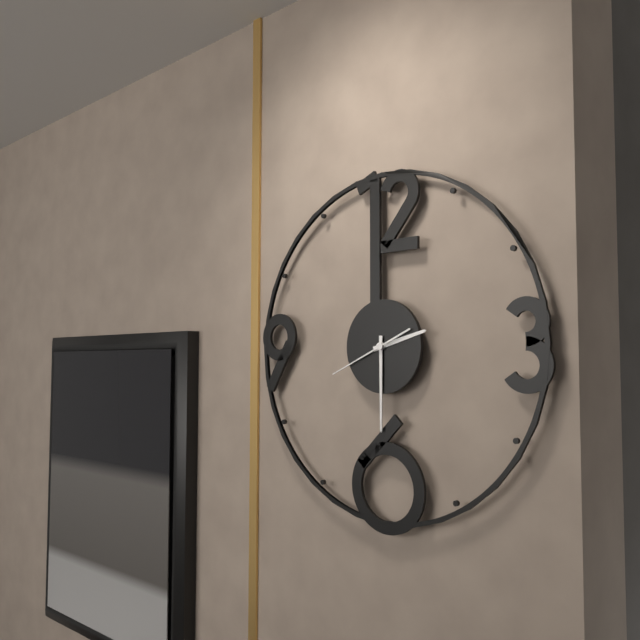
**2:30:41**
